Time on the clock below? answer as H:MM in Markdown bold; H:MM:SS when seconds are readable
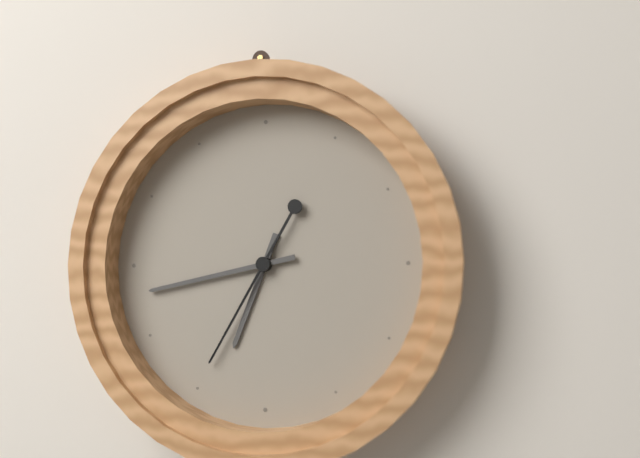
**6:43:35**
